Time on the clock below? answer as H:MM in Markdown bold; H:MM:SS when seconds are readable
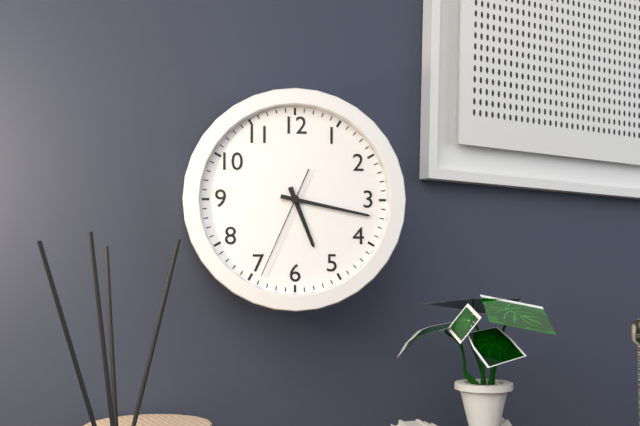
**5:17:34**
